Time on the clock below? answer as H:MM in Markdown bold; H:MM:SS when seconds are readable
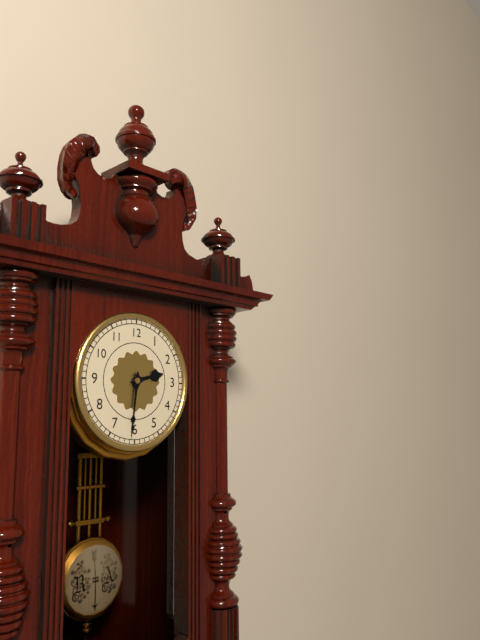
**2:31**
